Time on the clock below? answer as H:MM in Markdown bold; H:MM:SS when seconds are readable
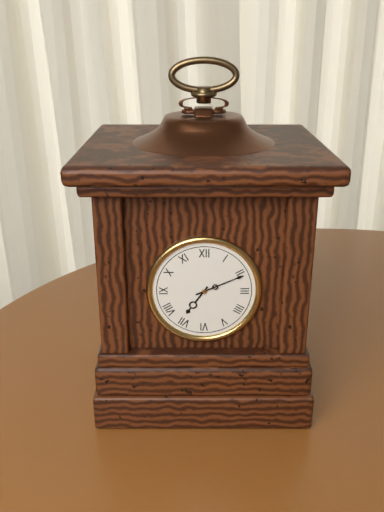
**7:11**
